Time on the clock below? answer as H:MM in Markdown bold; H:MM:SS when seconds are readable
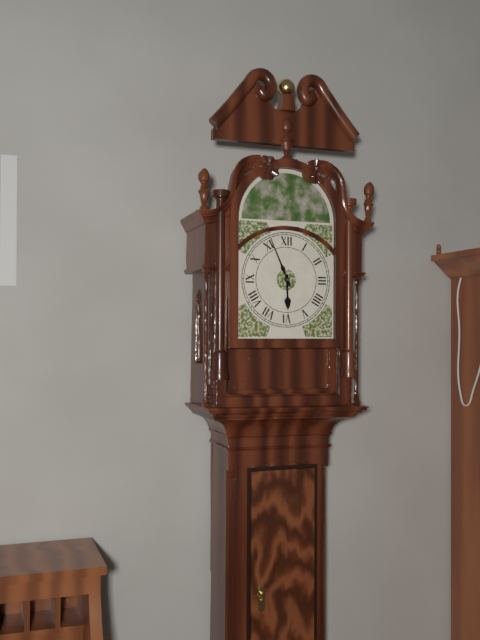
**5:56**
